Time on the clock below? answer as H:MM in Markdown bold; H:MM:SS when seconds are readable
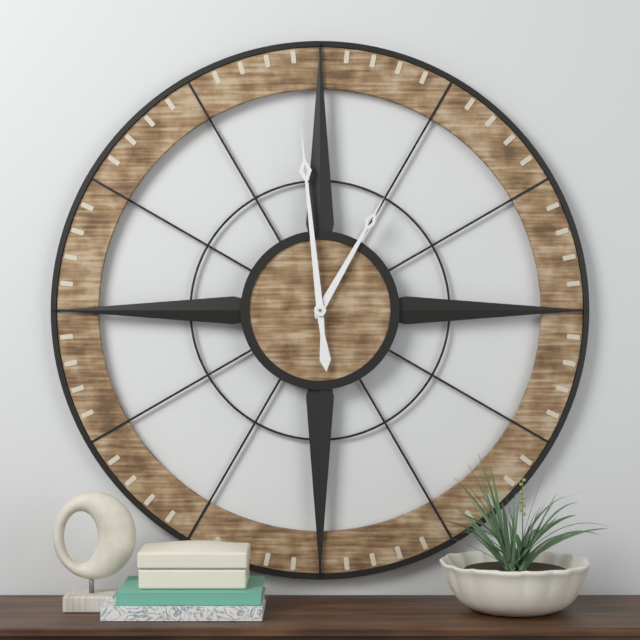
**12:59**
